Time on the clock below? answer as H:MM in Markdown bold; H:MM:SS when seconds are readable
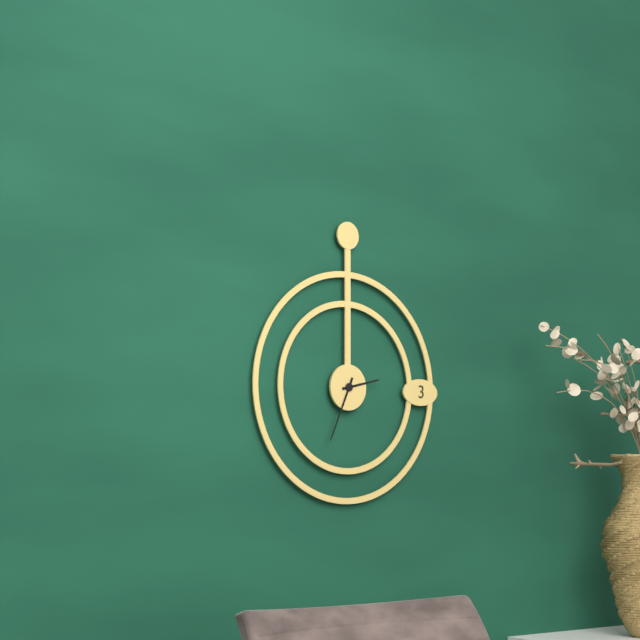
**2:34**
